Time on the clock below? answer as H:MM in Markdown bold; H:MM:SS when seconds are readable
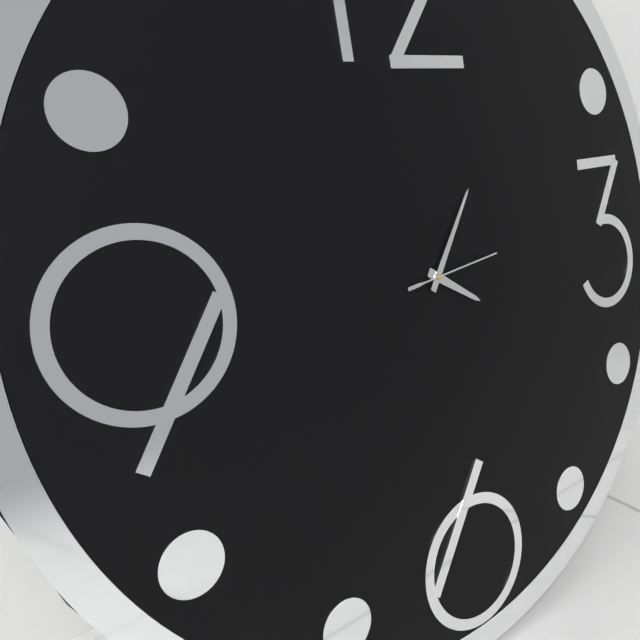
**4:06:14**
